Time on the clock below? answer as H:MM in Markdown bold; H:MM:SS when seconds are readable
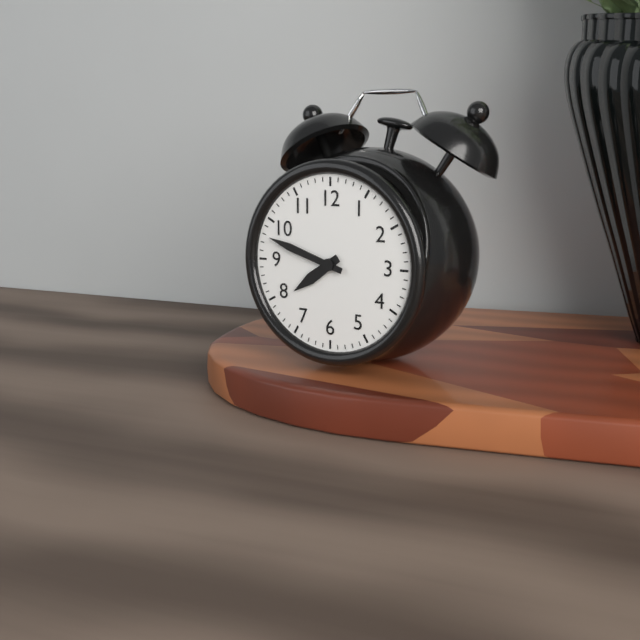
**7:48**
